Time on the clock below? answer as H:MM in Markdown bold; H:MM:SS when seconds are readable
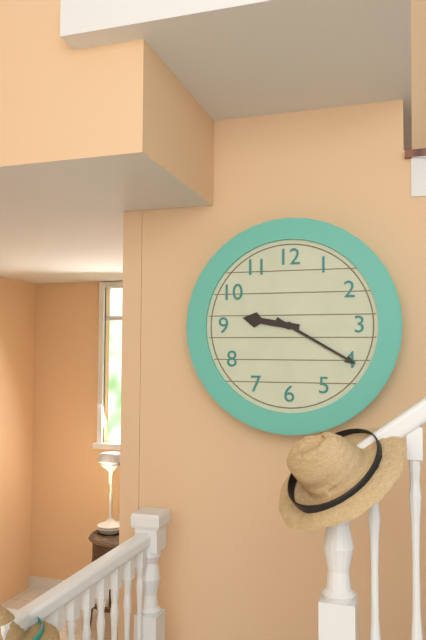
**9:20**
